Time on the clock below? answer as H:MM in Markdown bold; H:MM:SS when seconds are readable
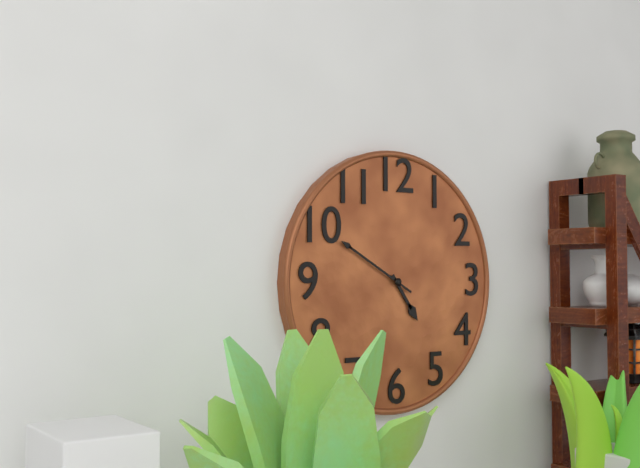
**4:50**
